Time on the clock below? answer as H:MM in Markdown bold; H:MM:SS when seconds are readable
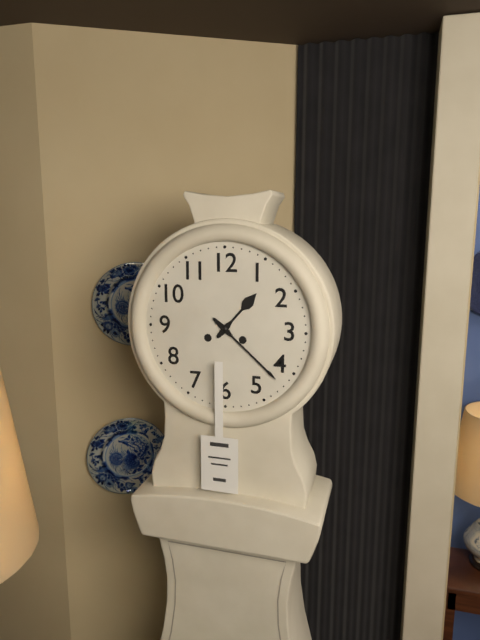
**1:22**
